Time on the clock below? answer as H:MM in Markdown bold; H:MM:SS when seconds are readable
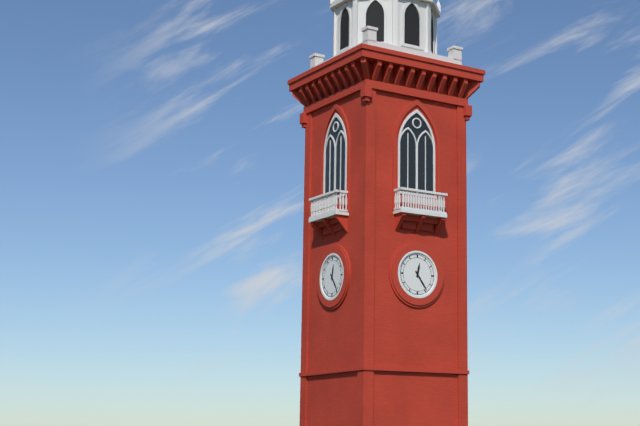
**12:24**
